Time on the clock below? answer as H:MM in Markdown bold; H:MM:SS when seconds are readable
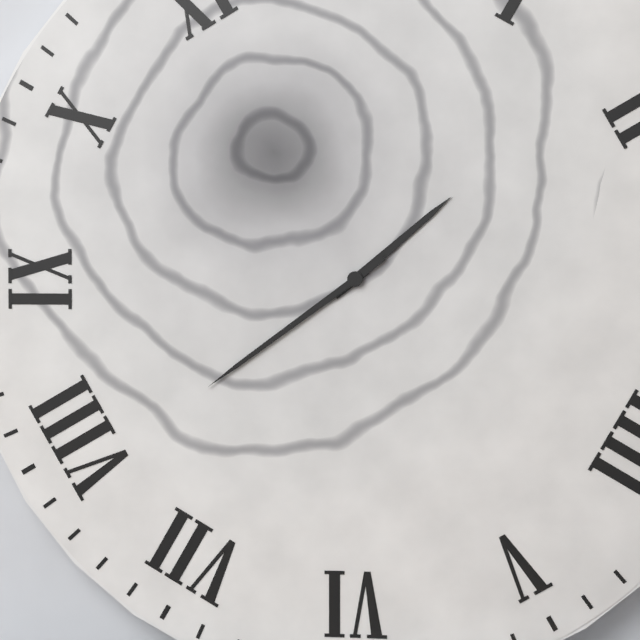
**1:39**
